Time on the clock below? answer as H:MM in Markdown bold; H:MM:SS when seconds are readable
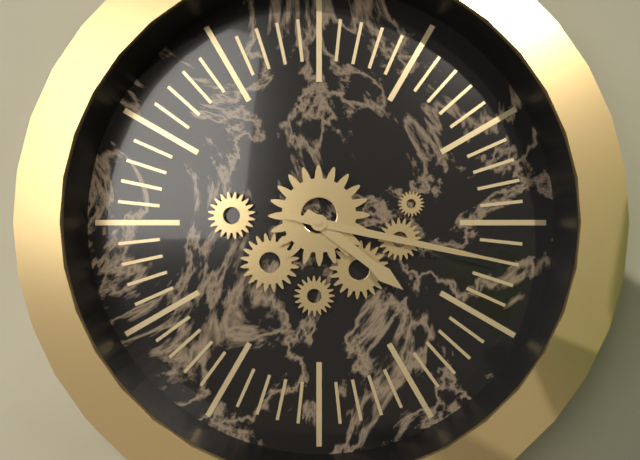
**4:17**
